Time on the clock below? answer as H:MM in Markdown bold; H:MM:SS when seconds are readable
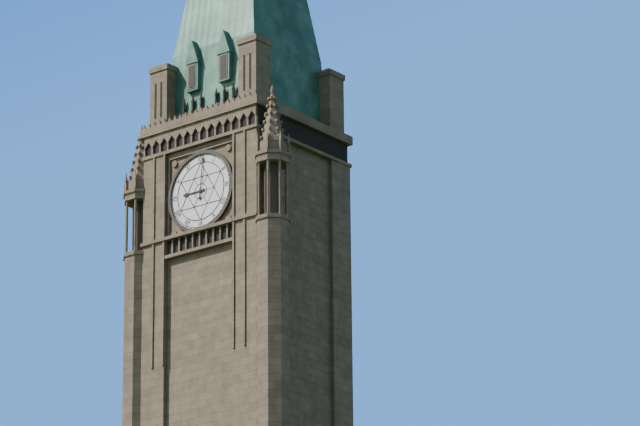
**9:01**
